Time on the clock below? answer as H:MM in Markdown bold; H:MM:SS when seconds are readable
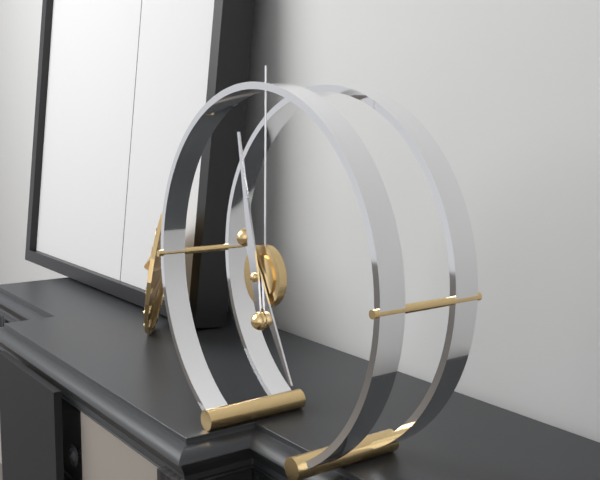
**4:58**
